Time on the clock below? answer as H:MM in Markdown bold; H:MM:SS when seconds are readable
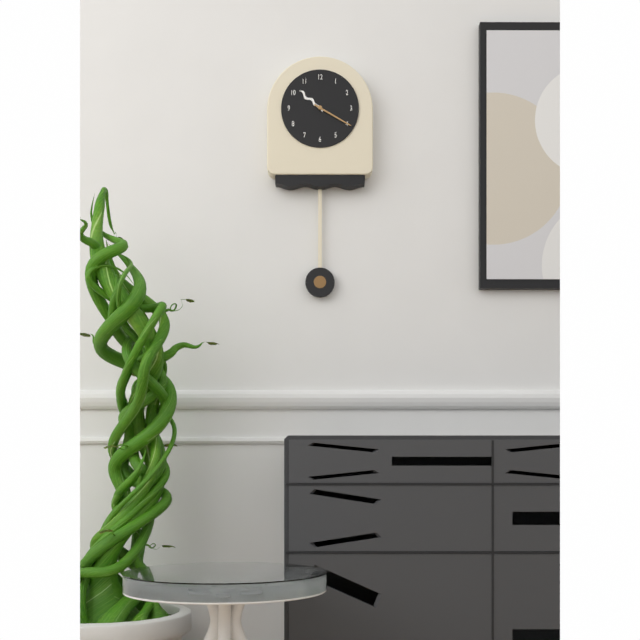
**10:20**
